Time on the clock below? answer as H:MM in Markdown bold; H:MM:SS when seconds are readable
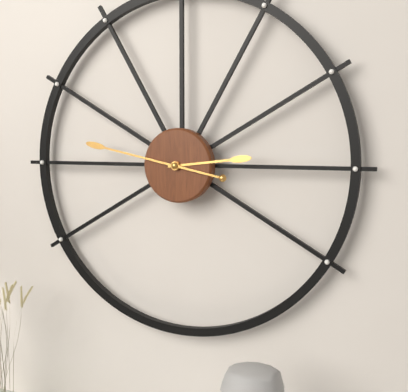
**2:47**
